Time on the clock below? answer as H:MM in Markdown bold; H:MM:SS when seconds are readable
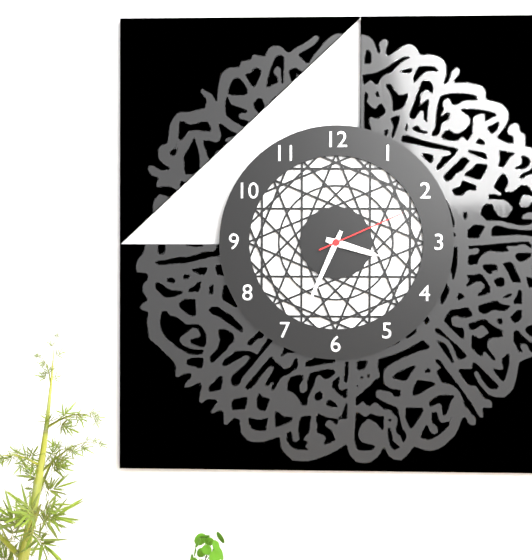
**3:34:11**
